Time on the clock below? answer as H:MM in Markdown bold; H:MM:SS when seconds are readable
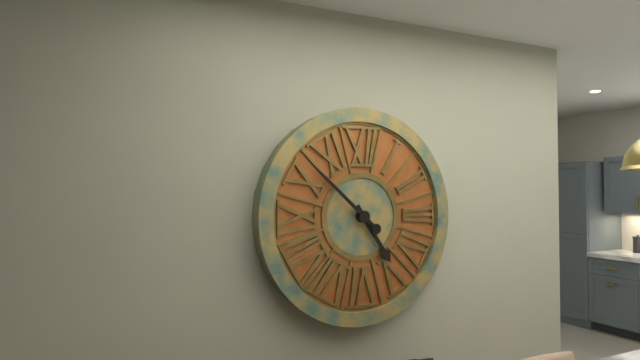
**4:52**
